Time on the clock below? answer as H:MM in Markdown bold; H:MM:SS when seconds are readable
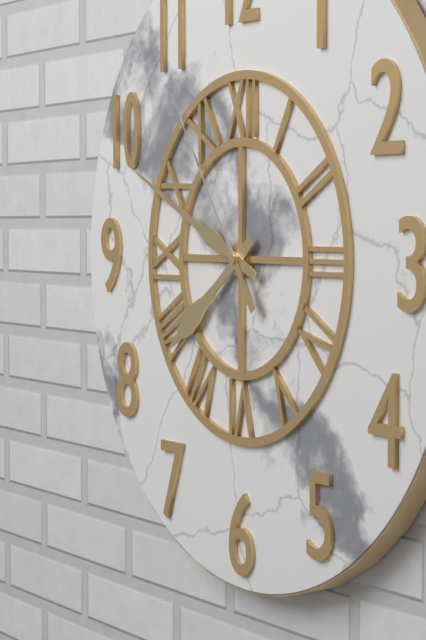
**7:49:54**
